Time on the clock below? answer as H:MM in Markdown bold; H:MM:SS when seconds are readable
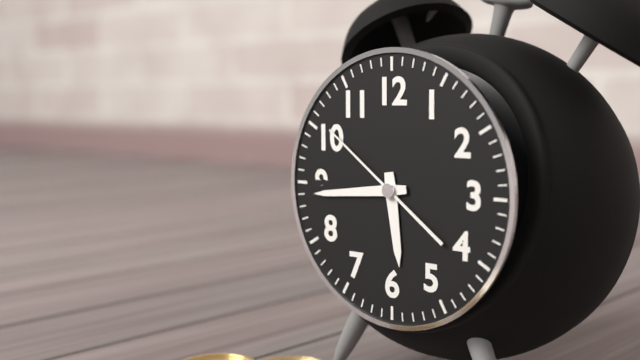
**5:44:51**
